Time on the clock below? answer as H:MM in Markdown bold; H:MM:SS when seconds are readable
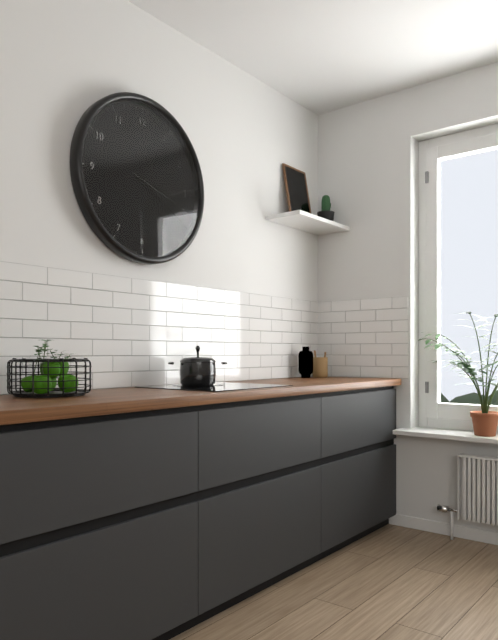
**3:20:18**
